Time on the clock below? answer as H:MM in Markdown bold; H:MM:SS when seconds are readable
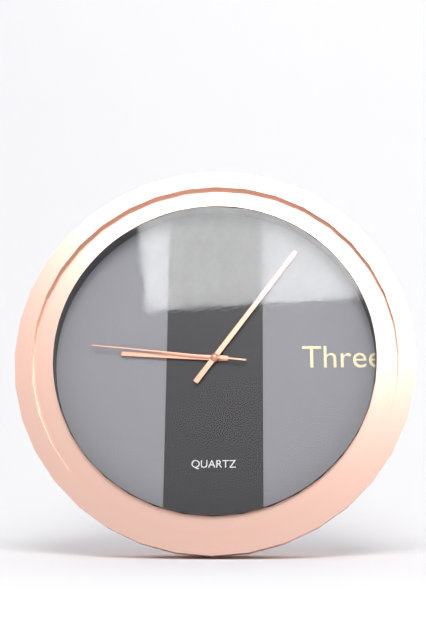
**9:06:46**
